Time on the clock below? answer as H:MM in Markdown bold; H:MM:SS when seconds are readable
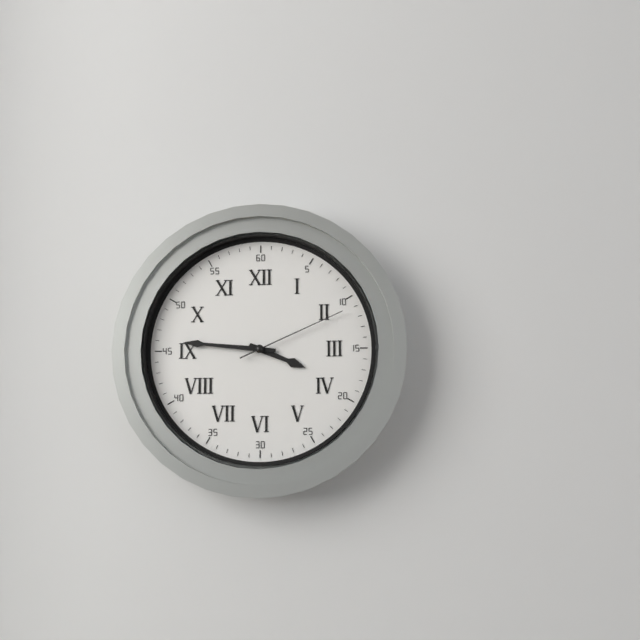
**3:46:11**
